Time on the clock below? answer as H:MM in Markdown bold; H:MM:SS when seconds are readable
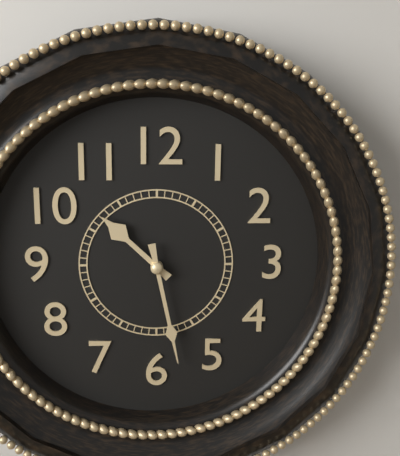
**10:28**
